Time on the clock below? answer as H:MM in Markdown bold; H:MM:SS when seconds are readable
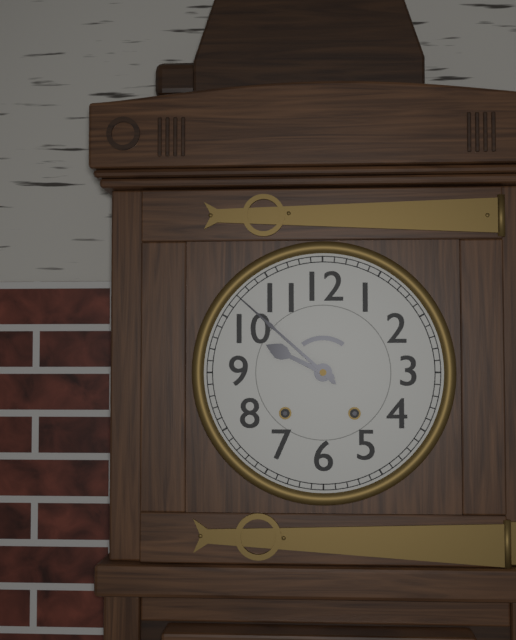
**9:52**
